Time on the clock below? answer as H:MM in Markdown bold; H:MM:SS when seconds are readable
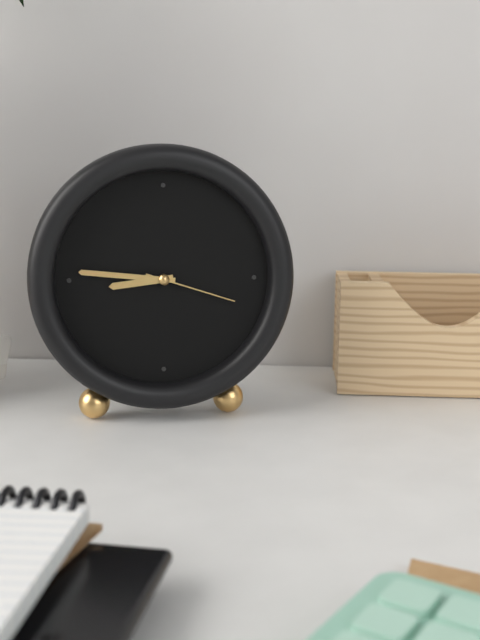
**8:46:18**
